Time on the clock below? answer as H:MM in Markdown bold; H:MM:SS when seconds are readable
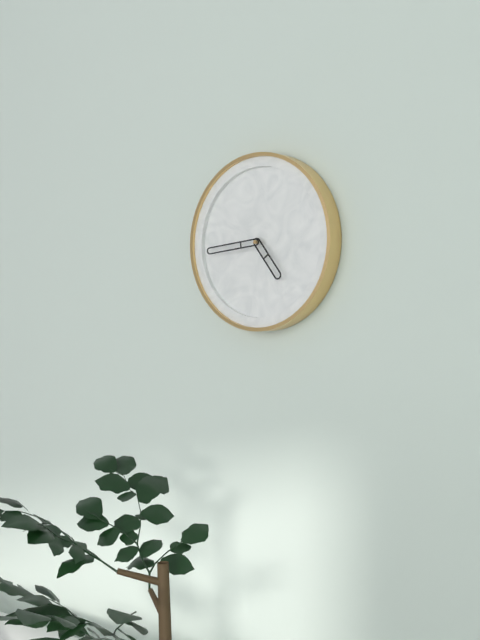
**4:44**
